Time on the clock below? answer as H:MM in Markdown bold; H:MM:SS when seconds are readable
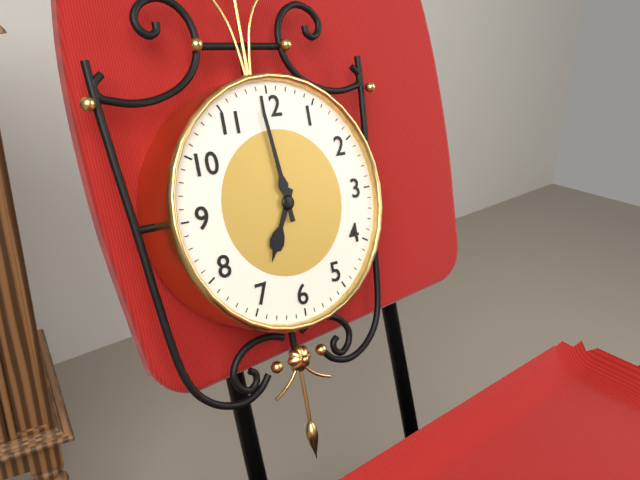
**6:59**
